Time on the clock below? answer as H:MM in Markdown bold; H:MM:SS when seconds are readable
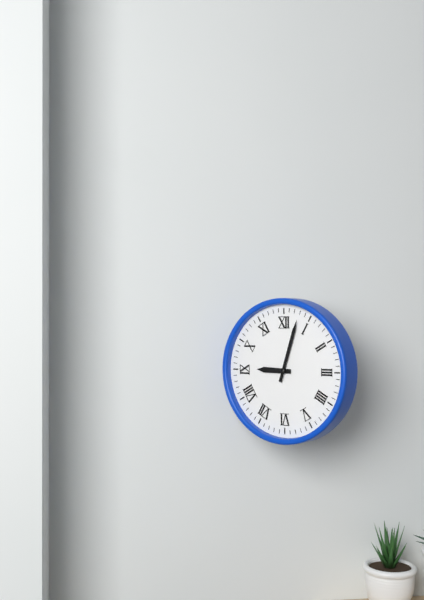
**9:03**
